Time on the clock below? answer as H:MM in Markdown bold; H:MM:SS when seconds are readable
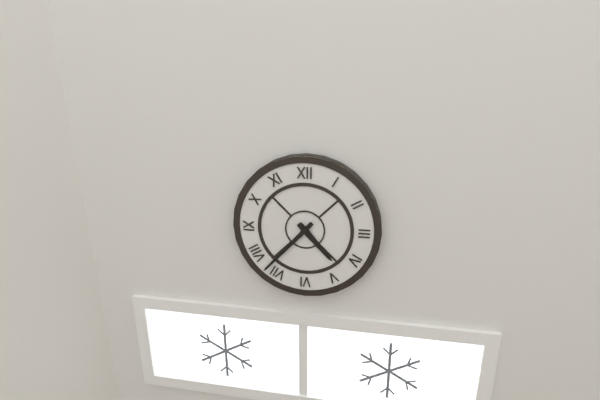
**4:37**
